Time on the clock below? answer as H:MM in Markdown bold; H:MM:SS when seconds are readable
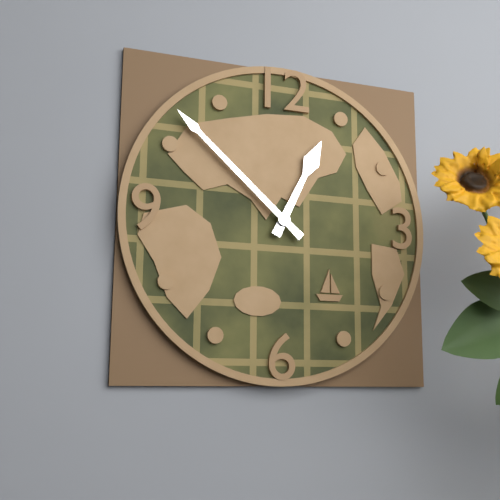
**12:52**
